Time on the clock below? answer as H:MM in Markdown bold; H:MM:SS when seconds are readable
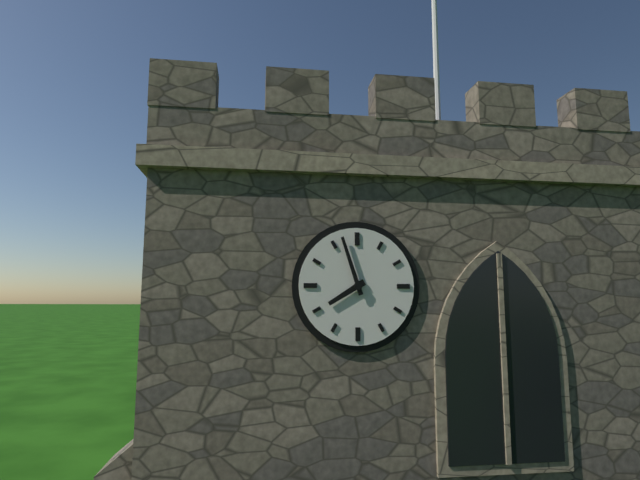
**7:57**
